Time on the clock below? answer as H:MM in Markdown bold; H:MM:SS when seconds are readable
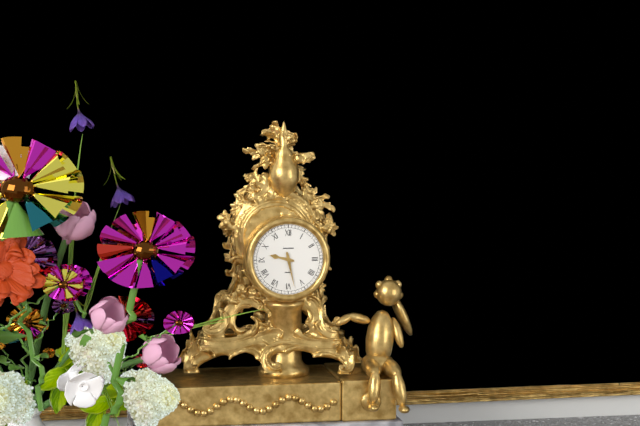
**9:28**
